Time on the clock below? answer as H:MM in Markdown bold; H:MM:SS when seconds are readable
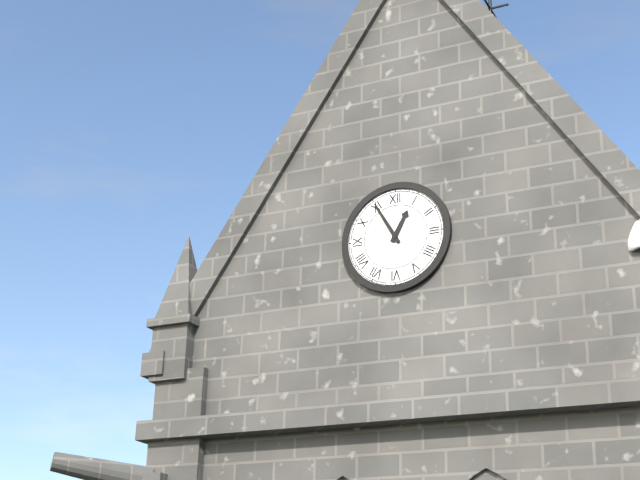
**12:55**
